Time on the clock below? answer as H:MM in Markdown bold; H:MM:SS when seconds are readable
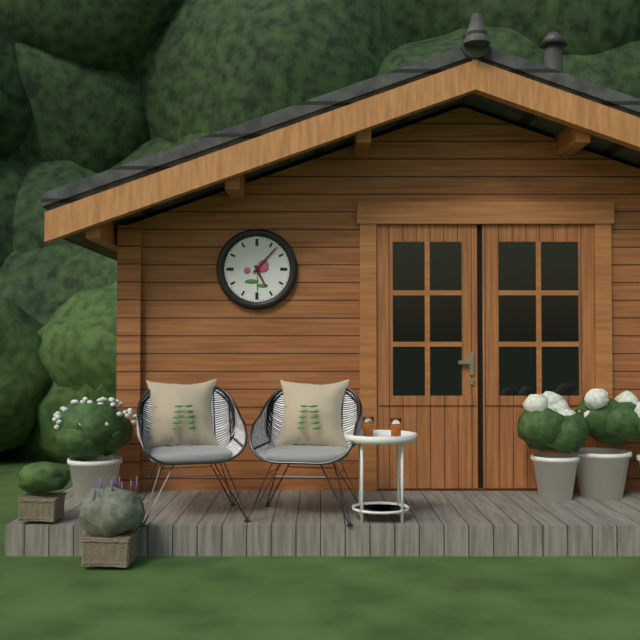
**5:07**
